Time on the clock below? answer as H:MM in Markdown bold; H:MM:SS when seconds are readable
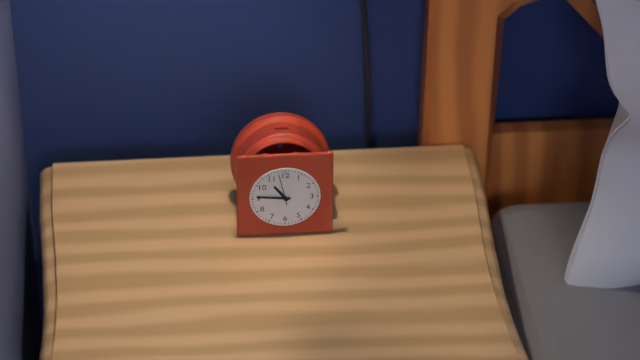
**10:46**
